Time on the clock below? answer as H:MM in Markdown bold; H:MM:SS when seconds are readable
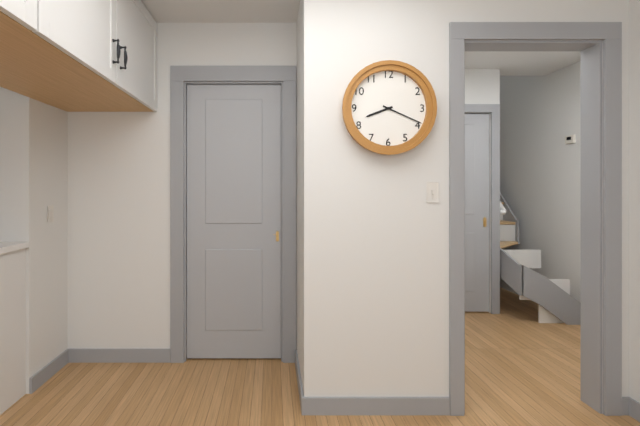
**8:19**
